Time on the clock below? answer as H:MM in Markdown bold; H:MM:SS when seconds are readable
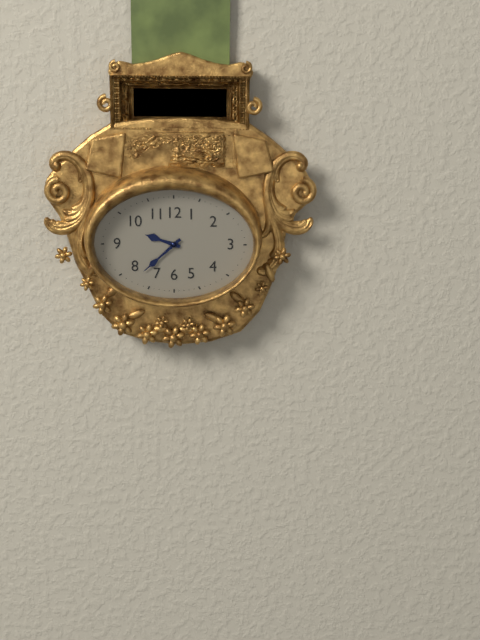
**9:38**
